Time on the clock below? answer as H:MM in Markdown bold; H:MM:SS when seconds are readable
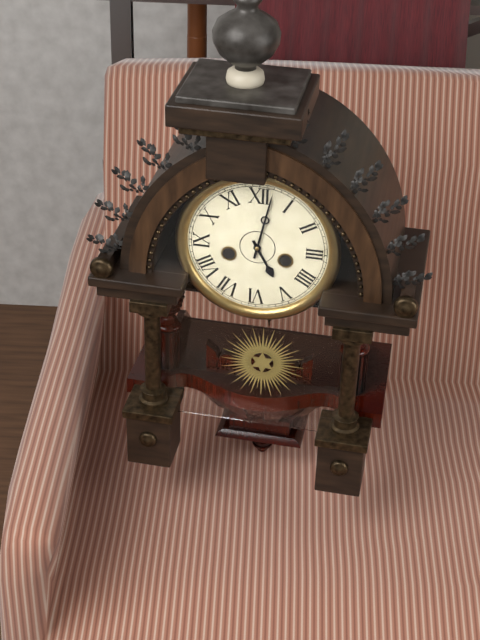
**5:02**
